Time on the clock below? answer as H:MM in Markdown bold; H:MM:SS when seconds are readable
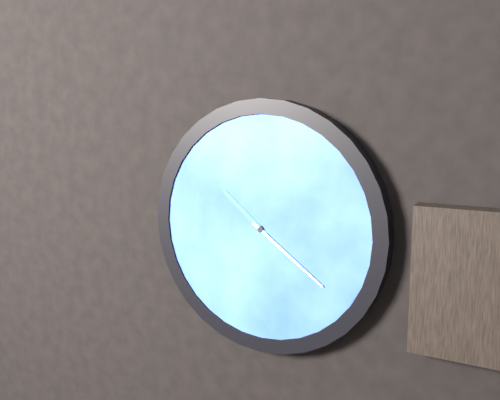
**10:21**
